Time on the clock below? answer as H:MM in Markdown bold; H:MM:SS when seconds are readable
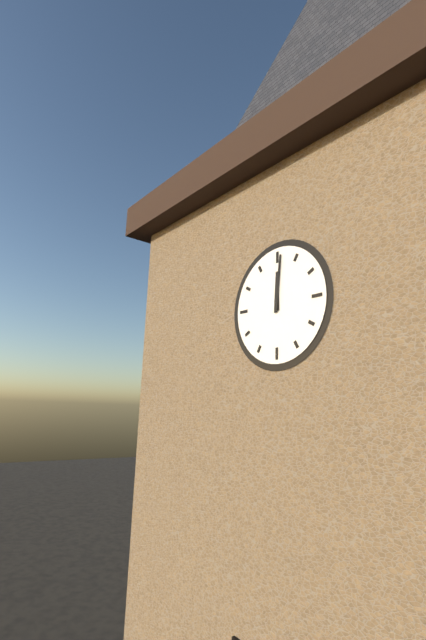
**12:01**
